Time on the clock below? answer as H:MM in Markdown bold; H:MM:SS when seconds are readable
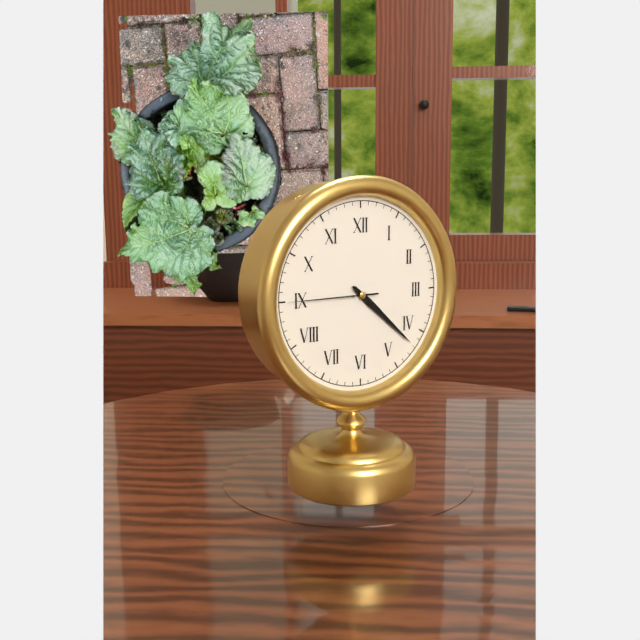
**4:22:45**
